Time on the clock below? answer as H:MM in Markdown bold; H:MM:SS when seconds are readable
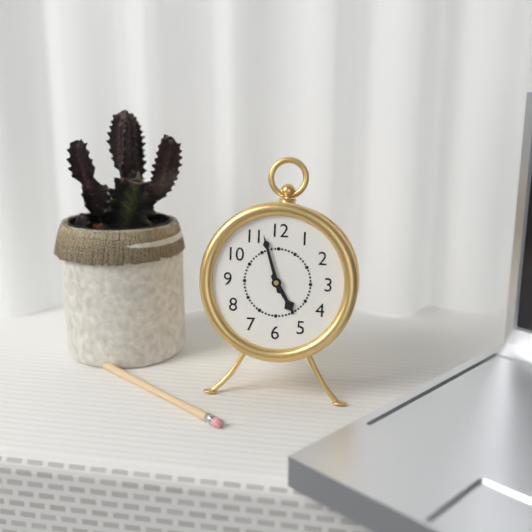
**4:57**
